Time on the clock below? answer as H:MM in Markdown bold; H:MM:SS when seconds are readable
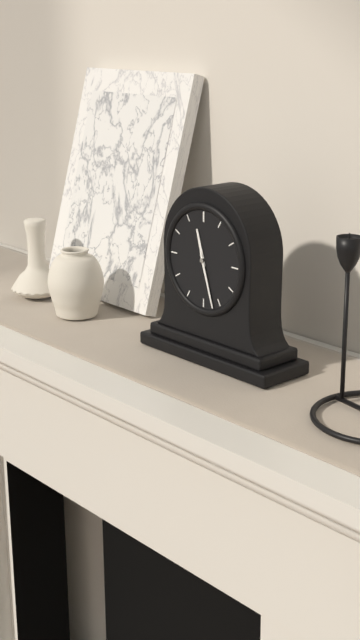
**11:27**
